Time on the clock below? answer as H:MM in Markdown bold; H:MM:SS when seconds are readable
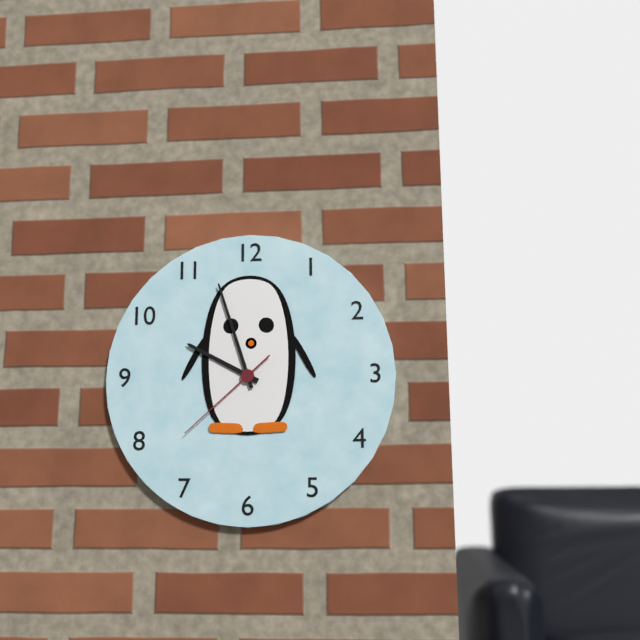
**9:57:38**
